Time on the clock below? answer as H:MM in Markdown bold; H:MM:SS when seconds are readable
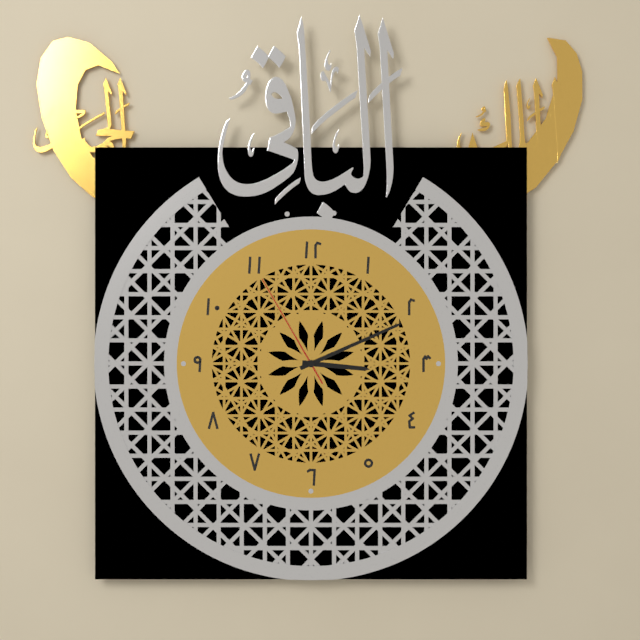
**3:11:55**
